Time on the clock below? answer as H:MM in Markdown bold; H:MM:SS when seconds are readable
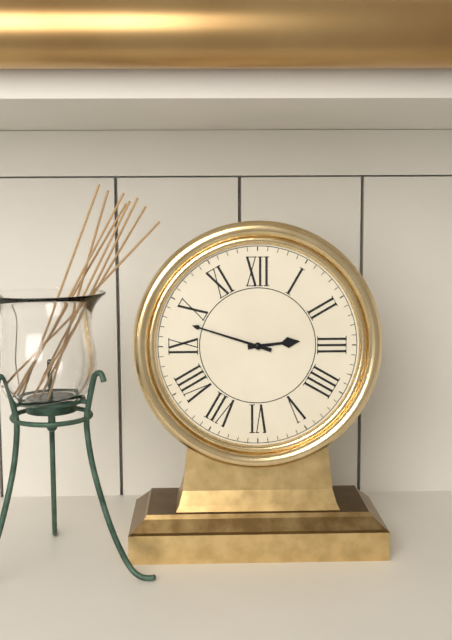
**2:48**
